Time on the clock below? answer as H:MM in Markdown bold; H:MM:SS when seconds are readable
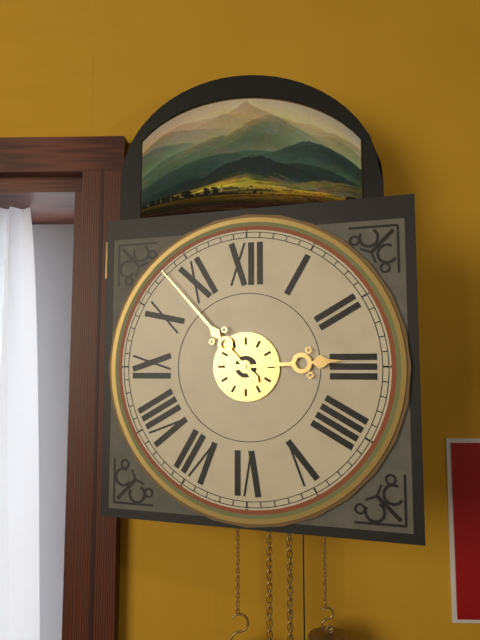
**2:53**
